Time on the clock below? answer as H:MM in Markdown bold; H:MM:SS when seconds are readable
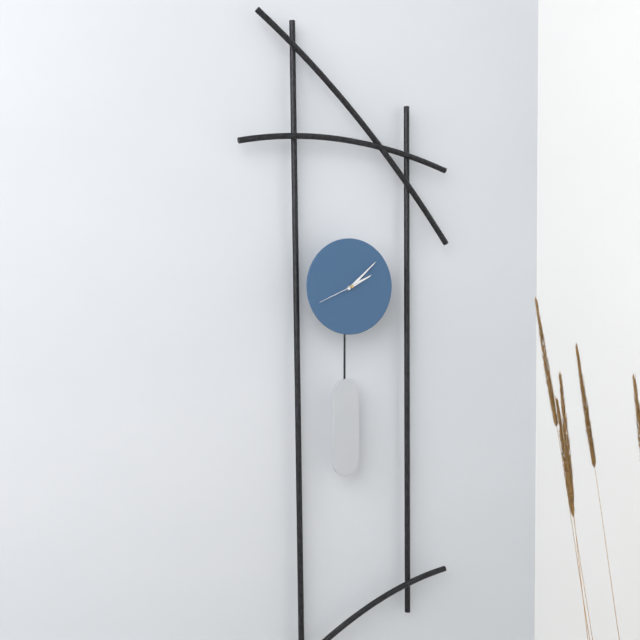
**2:08**
